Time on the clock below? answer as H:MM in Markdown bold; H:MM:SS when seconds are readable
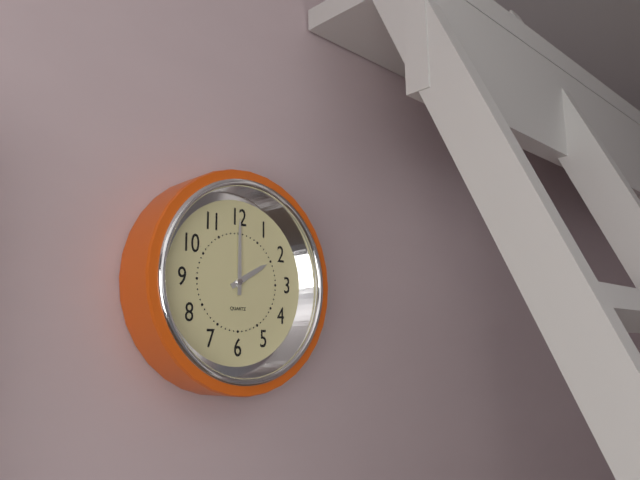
**2:00**
